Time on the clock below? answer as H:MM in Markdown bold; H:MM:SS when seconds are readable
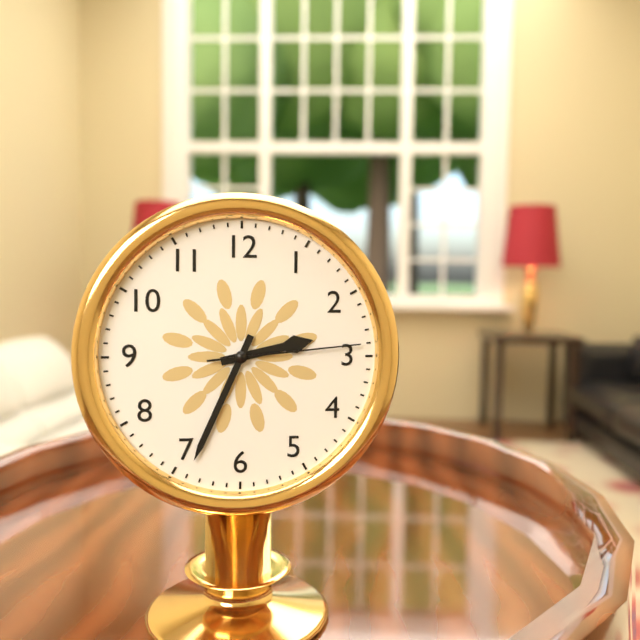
**2:34:14**
